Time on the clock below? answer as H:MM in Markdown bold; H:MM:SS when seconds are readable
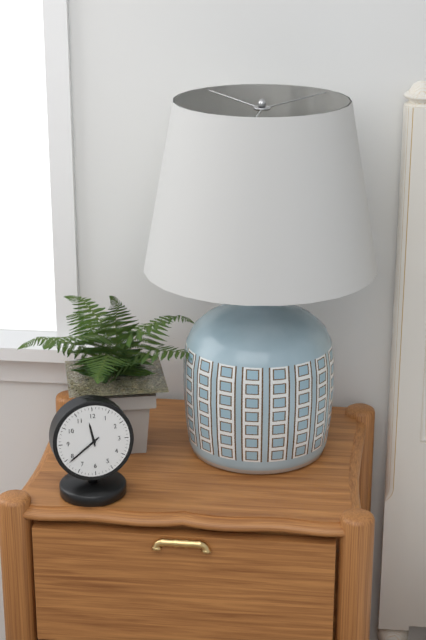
**11:39**
